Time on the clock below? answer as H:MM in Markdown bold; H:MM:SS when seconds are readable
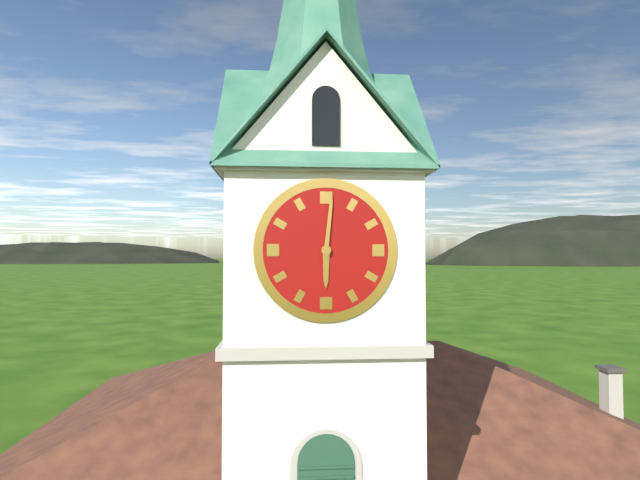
**6:01**
